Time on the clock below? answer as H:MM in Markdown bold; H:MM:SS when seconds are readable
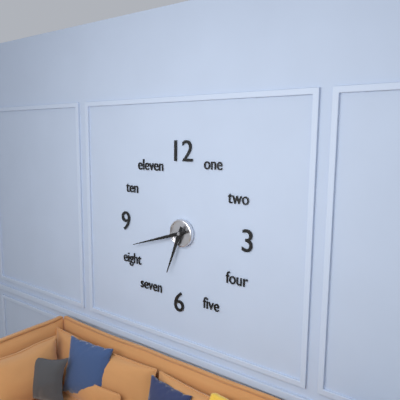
**6:42**
